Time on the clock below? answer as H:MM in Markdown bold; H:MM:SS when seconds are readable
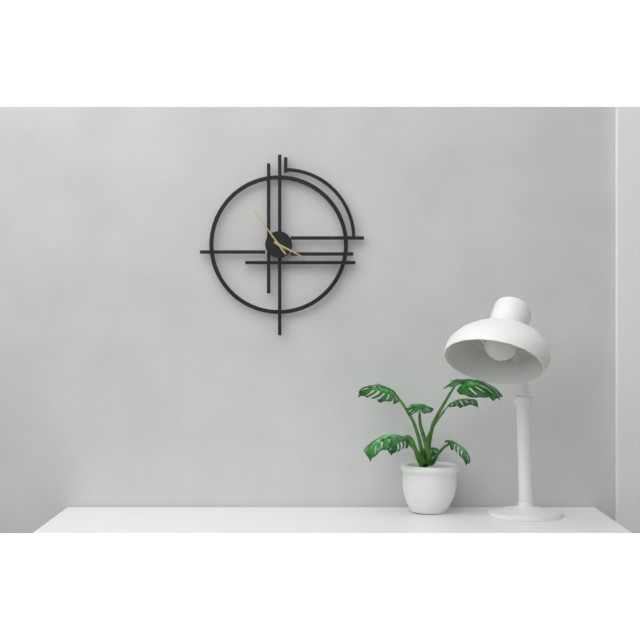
**3:54**
